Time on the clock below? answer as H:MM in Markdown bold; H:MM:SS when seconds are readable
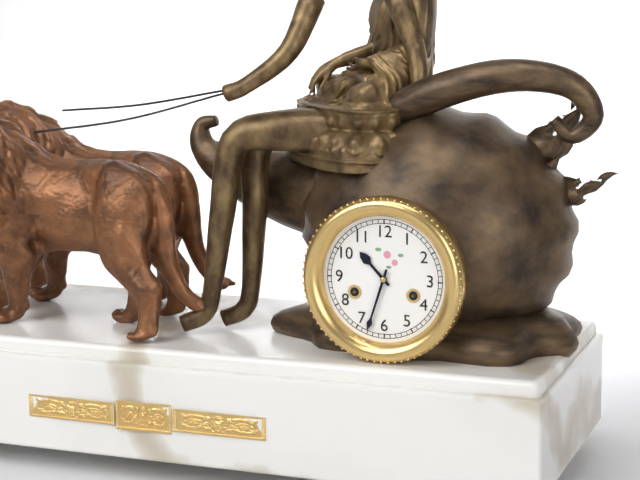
**10:33**
